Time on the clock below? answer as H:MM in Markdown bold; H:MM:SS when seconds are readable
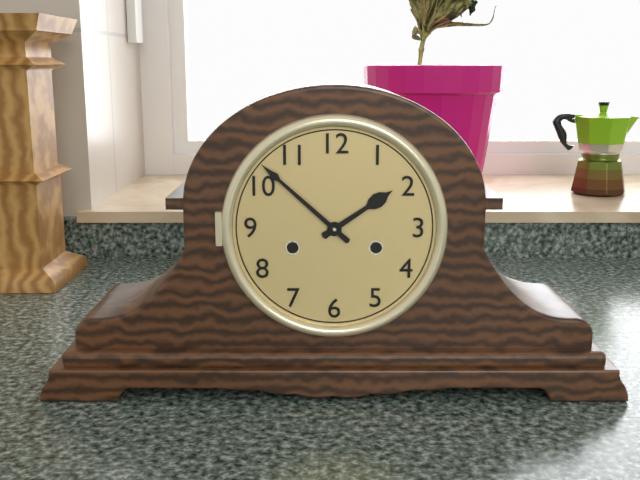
**1:52**
